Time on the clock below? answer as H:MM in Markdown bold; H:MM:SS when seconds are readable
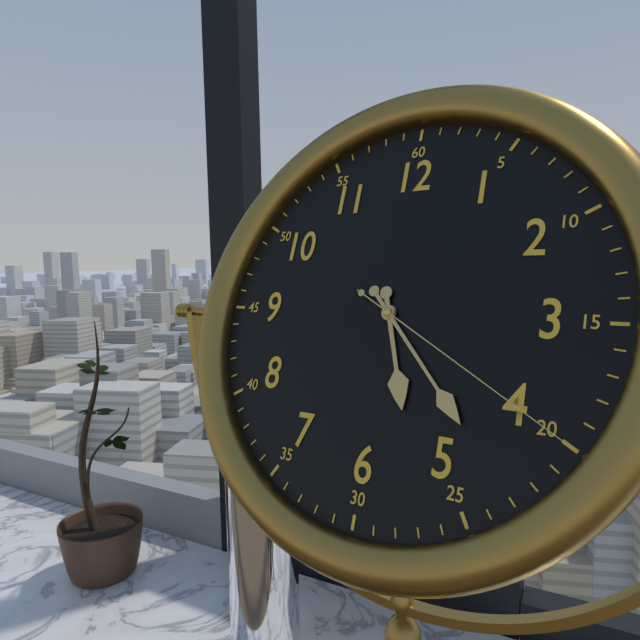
**5:23:20**
